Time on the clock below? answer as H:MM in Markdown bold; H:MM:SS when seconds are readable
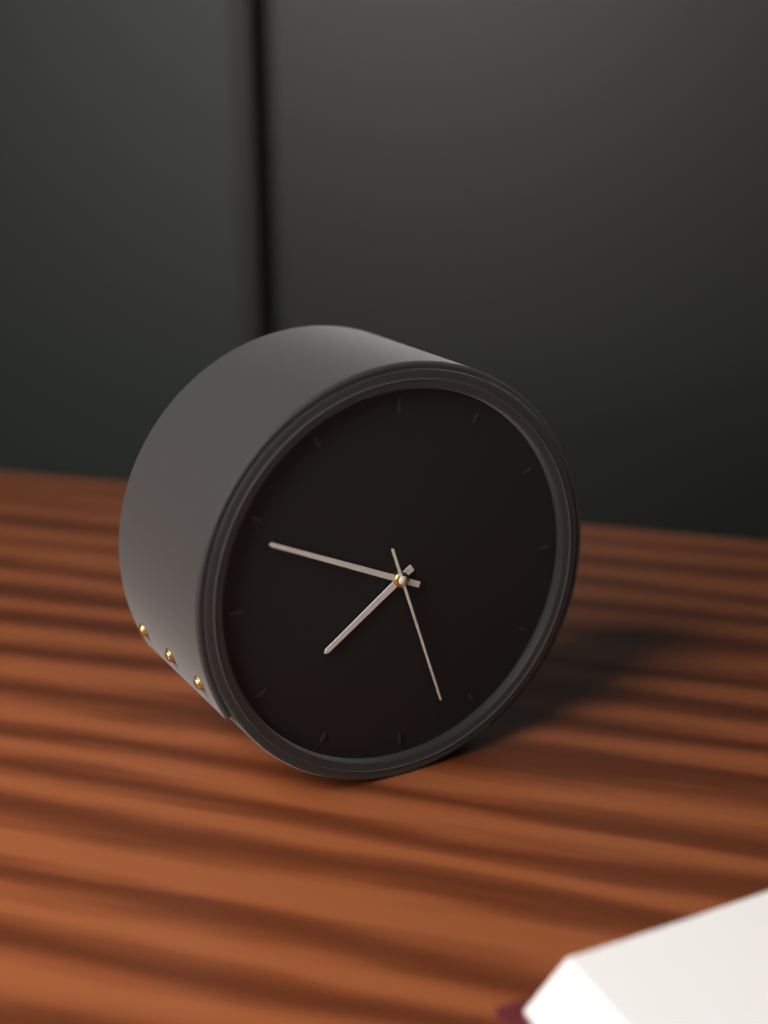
**7:49:27**
